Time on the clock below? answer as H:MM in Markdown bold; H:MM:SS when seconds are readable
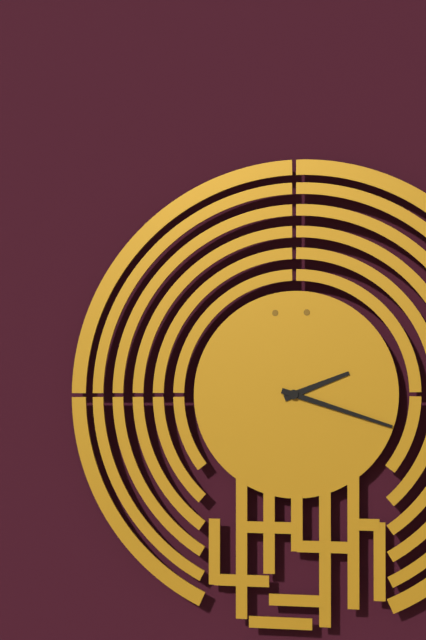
**2:18**
